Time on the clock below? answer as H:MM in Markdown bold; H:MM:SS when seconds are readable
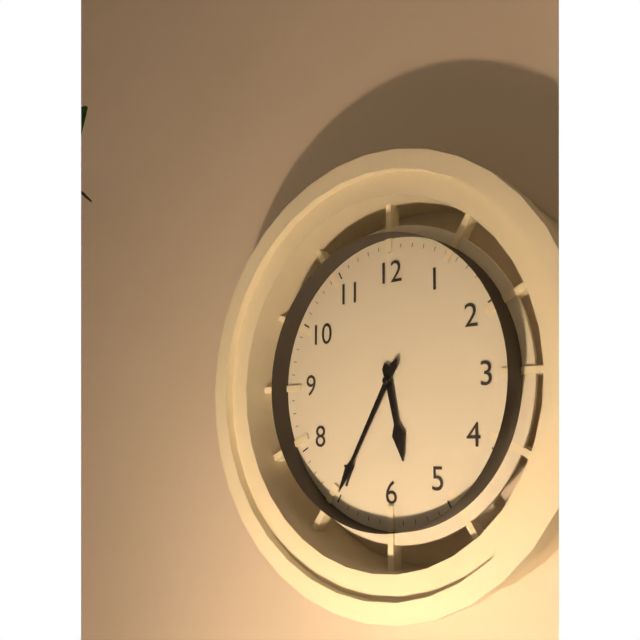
**5:35**
